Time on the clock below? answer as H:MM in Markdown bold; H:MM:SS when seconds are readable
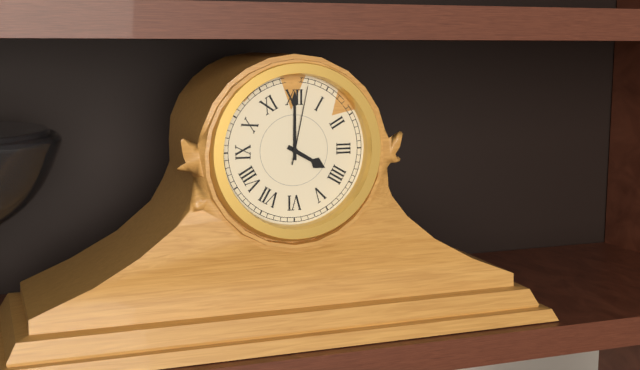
**4:00:02**
